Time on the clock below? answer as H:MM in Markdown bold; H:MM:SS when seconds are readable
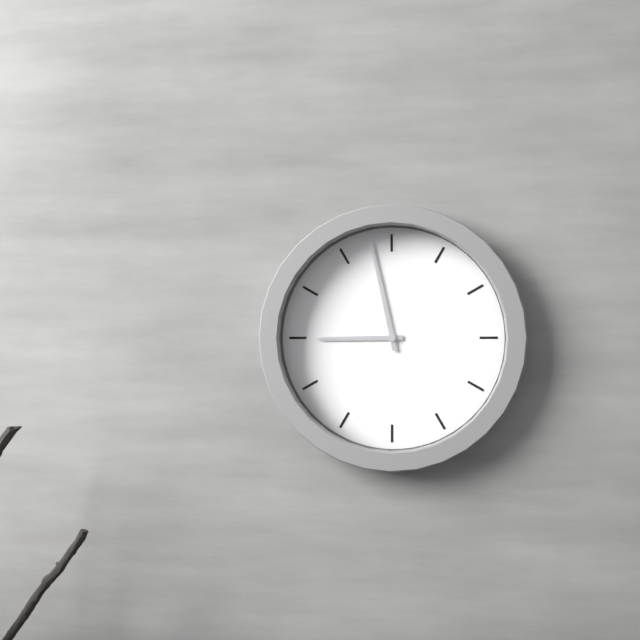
**8:58**
